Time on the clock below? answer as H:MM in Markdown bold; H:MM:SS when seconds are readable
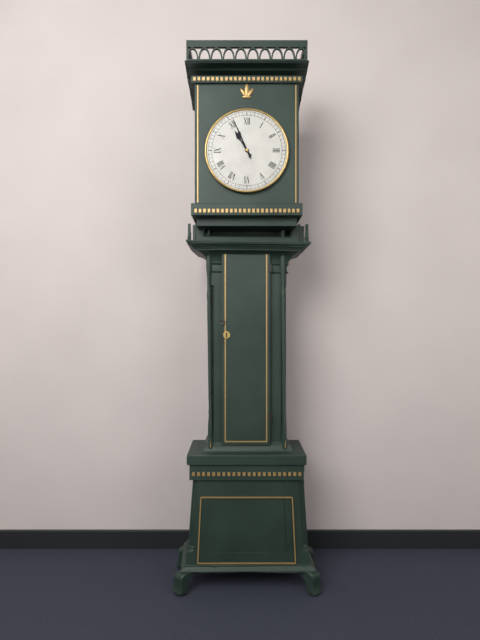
**10:56**
